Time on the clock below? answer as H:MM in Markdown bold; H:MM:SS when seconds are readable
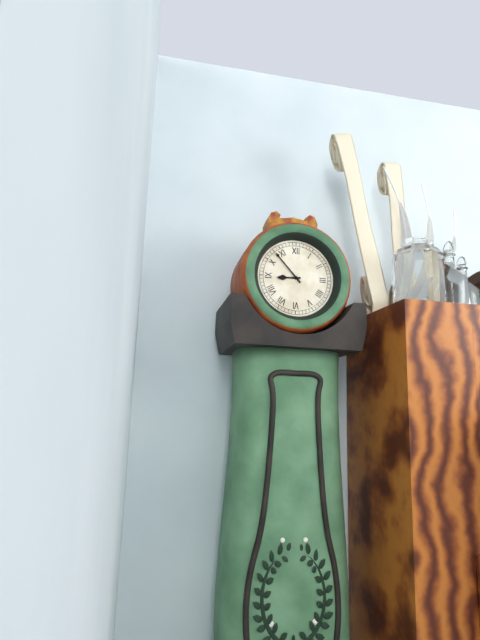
**8:53**
